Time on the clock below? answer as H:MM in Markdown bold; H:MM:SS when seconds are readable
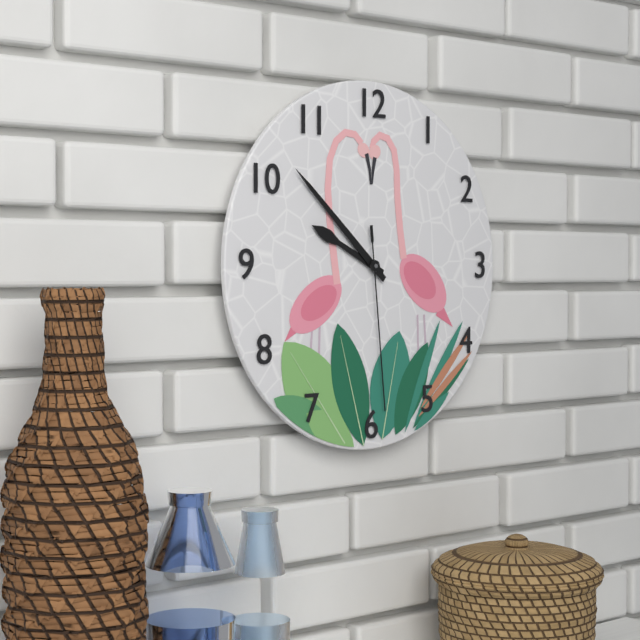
**9:52:29**
